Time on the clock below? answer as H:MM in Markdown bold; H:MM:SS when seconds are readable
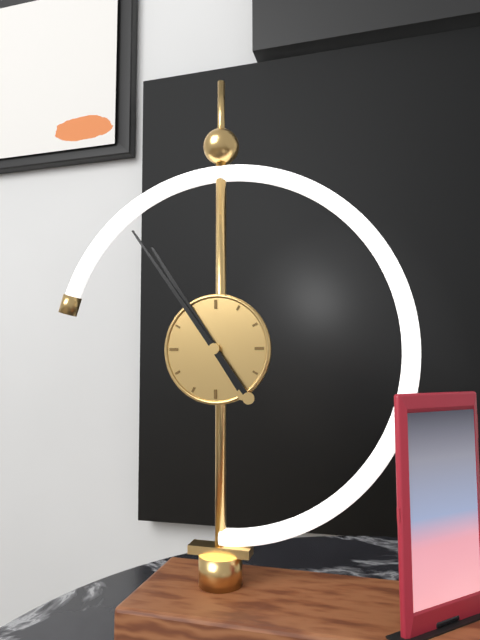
**10:54**
